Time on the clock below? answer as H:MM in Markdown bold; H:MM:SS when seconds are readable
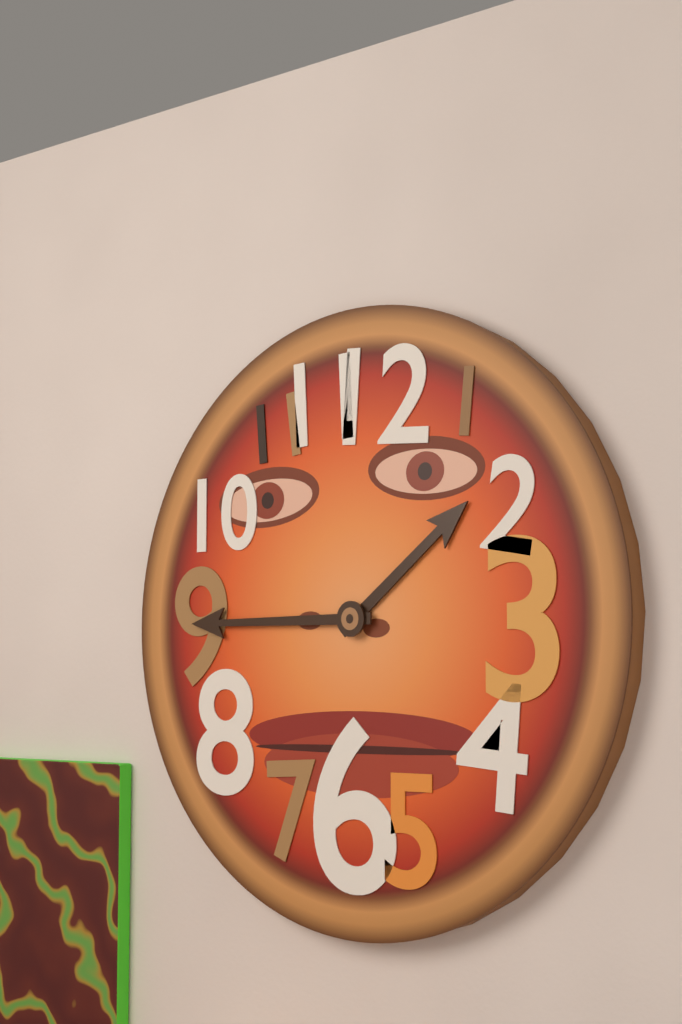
**1:45**
